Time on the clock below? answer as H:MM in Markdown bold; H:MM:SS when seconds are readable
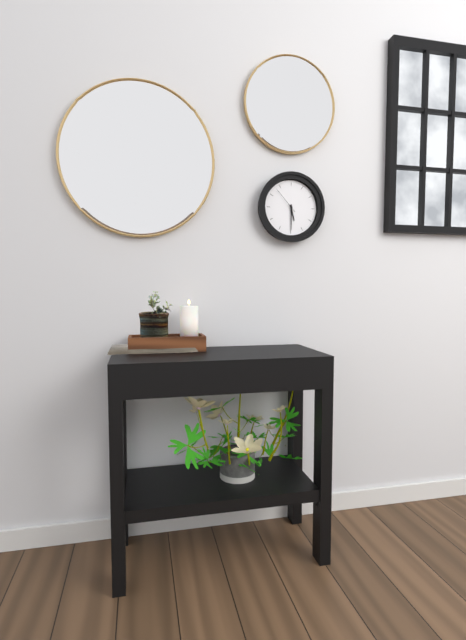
**5:30**
